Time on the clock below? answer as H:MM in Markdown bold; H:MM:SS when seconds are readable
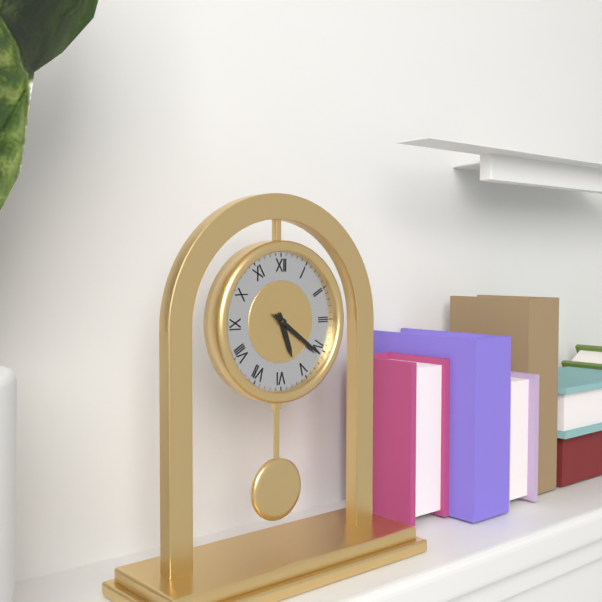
**5:21**
